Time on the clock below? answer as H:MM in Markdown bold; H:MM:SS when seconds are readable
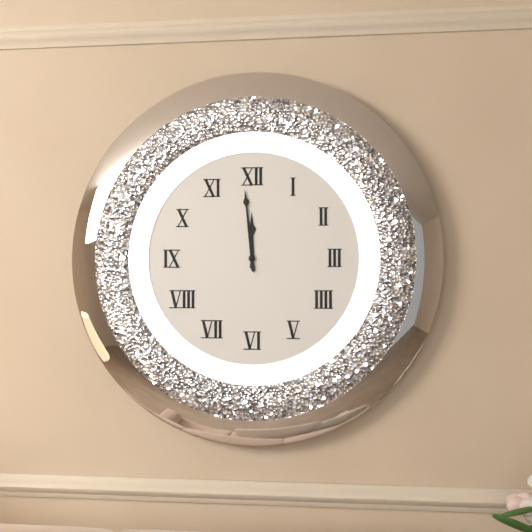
**11:59**
